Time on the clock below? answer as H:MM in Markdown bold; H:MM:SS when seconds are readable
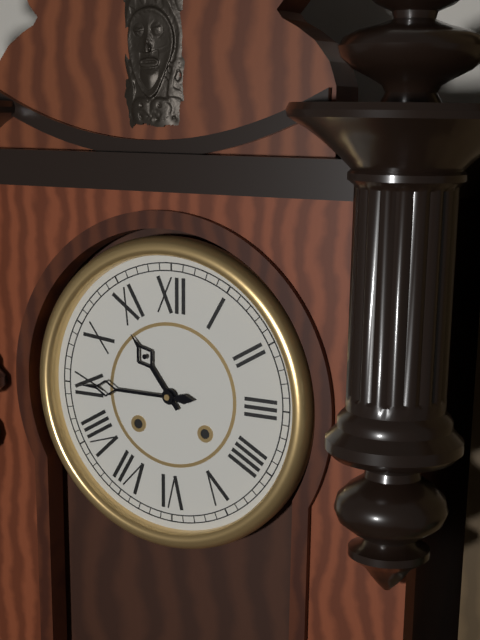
**10:45**
